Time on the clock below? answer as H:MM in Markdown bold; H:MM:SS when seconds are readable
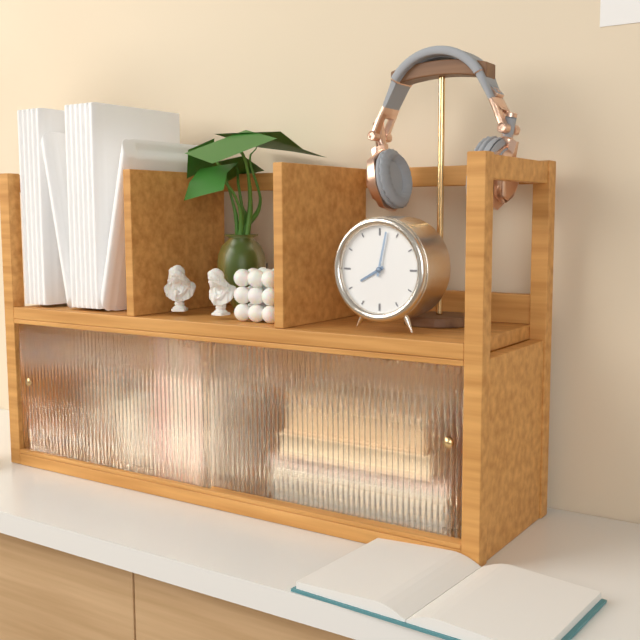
**8:02**
